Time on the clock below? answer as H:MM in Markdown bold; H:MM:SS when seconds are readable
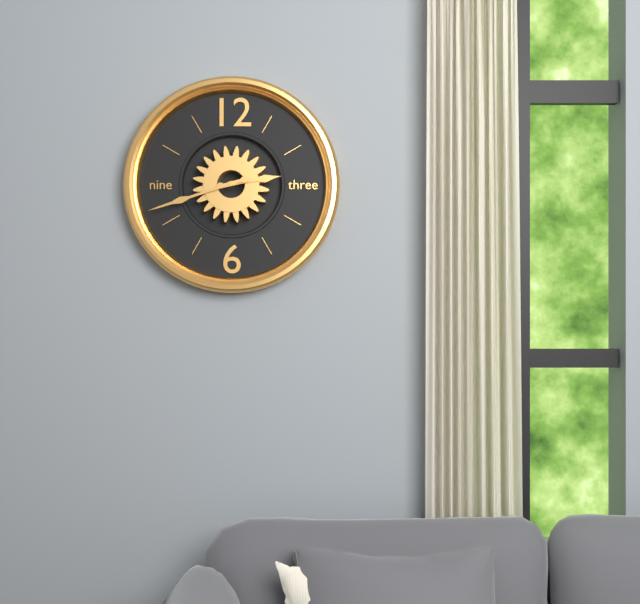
**2:42**
